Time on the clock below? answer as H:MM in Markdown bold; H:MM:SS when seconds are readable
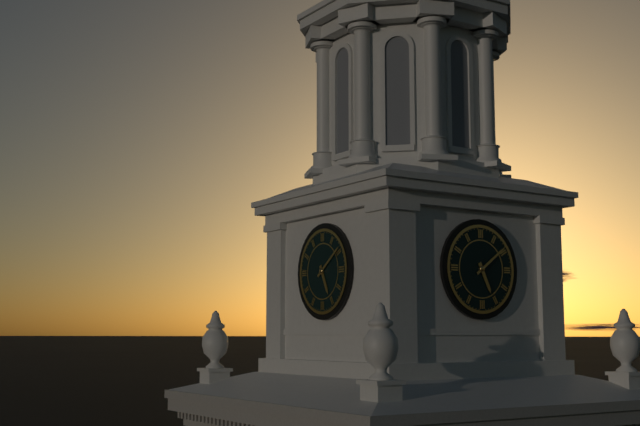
**5:09**
